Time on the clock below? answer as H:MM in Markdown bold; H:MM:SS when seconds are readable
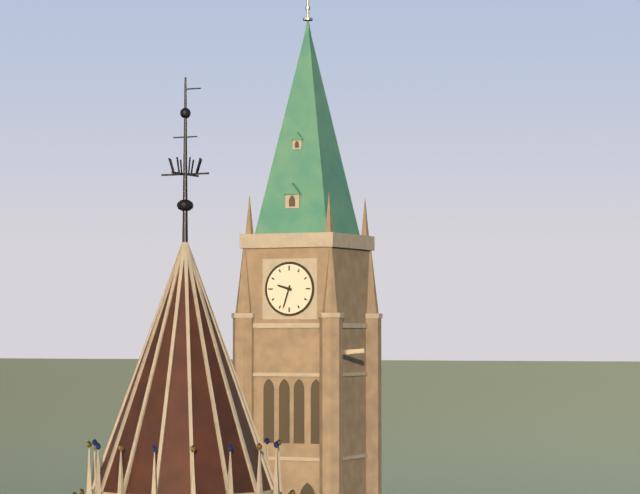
**9:33**
